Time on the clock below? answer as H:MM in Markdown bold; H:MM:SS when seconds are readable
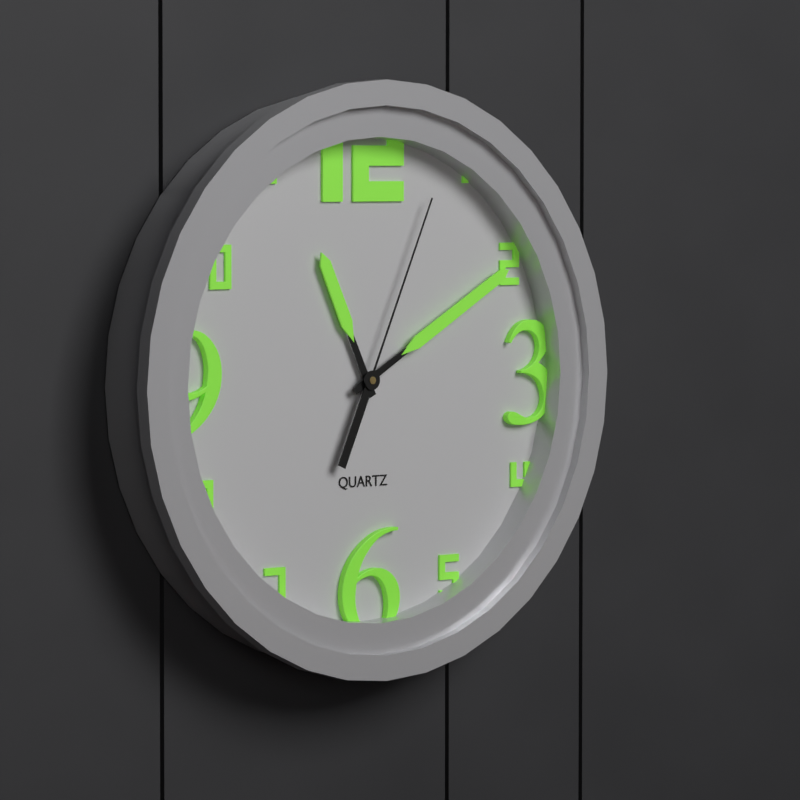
**11:10:04**
